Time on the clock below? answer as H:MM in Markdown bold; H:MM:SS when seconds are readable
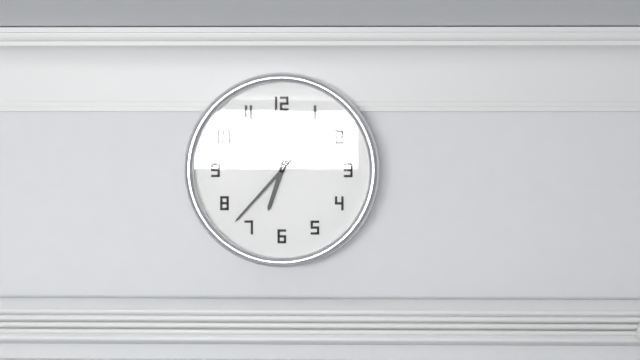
**6:37**
